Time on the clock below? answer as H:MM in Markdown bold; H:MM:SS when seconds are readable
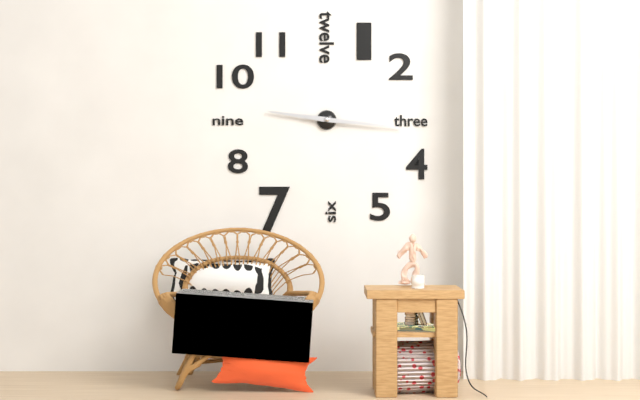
**9:16**
